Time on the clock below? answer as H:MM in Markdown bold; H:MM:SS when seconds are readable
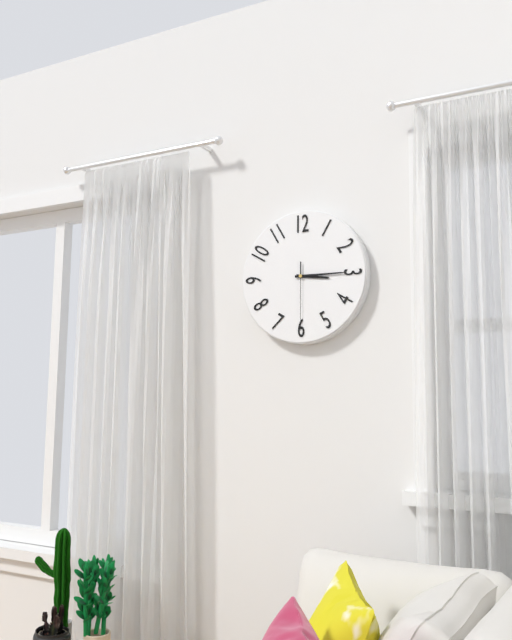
**3:15:30**
